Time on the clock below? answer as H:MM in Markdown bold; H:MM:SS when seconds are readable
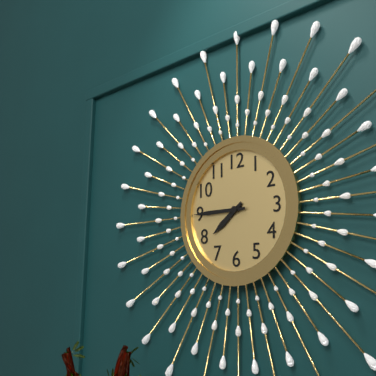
**7:45**
